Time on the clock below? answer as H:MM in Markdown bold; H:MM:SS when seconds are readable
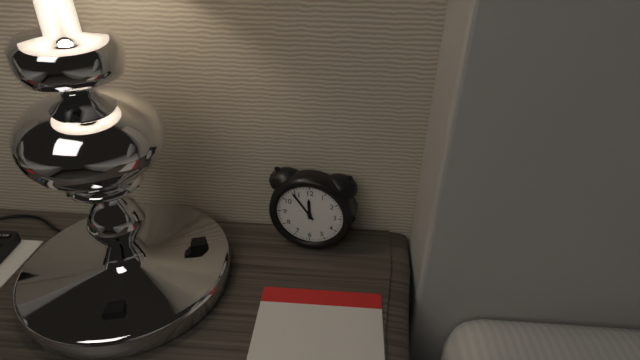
**11:54**
